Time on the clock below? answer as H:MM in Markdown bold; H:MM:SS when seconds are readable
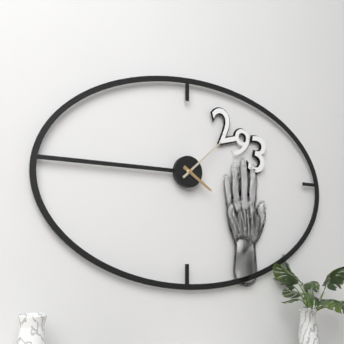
**4:08**
